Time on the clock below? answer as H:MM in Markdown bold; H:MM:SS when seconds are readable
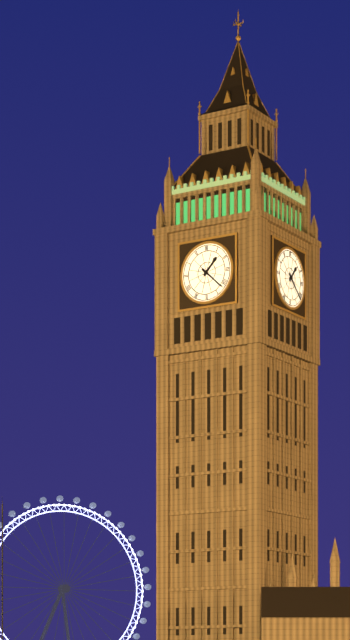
**1:22**
